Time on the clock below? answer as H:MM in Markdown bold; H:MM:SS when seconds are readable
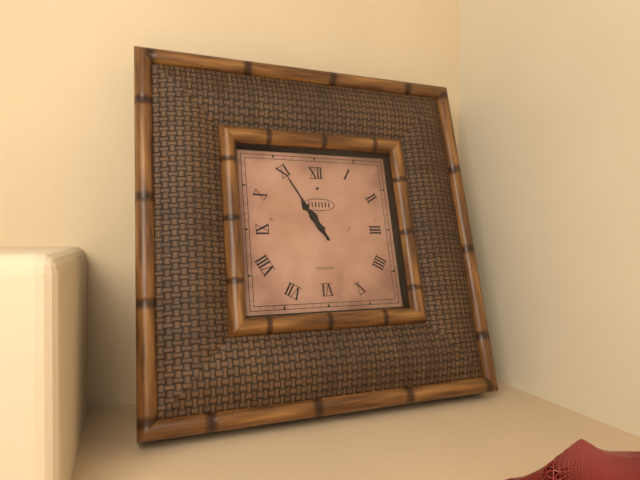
**10:55**
